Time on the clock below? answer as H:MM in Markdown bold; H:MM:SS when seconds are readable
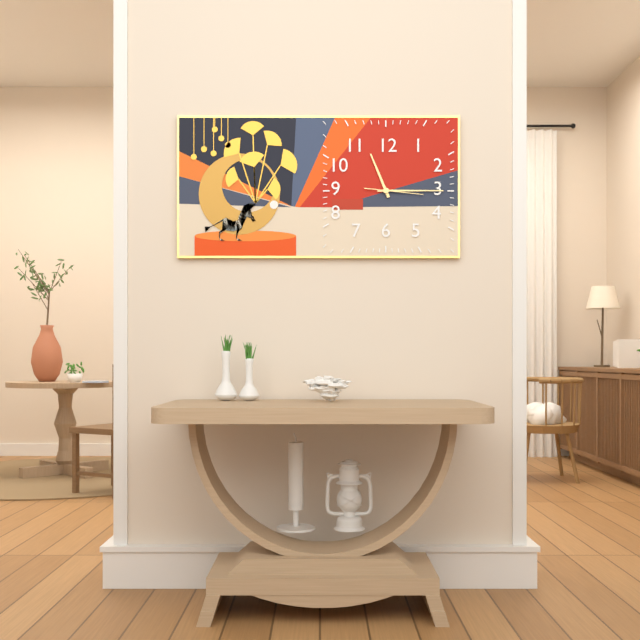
**11:15**
